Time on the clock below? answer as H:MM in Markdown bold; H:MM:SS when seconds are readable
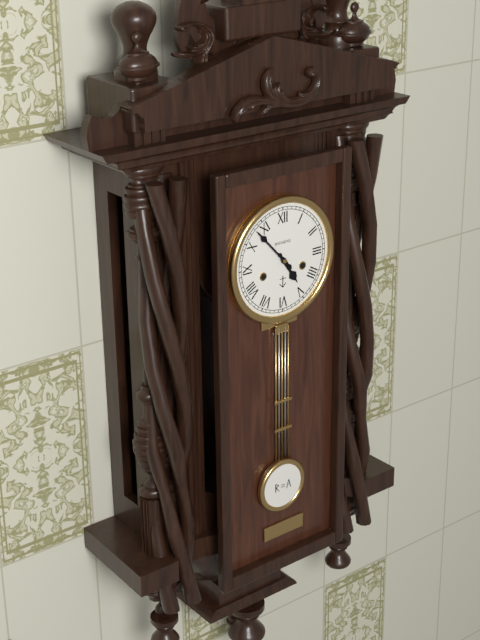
**4:53**
